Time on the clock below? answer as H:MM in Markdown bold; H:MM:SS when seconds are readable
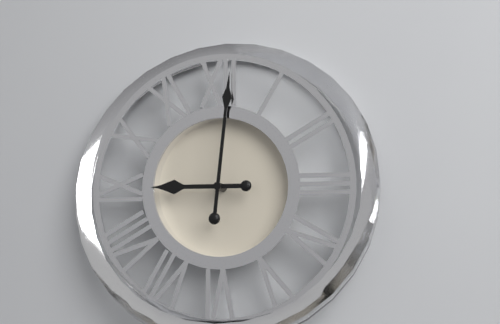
**9:01**
